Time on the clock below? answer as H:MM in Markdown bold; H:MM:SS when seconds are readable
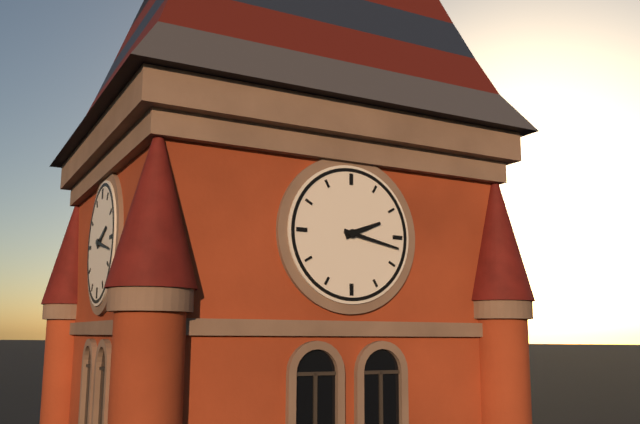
**2:17**
